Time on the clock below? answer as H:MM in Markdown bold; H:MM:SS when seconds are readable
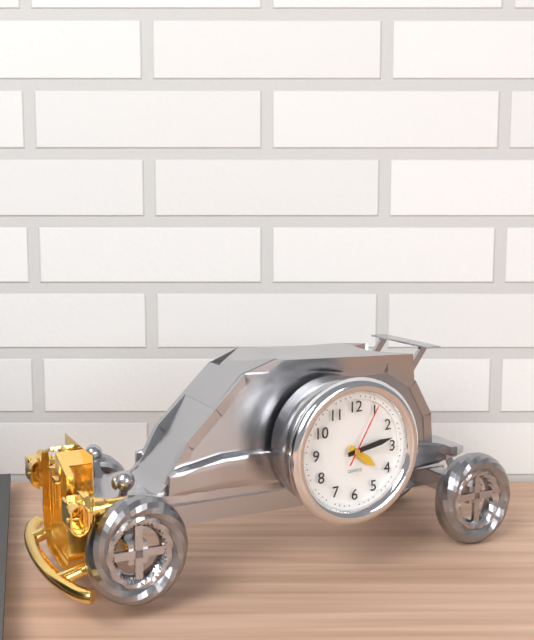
**4:13:05**
